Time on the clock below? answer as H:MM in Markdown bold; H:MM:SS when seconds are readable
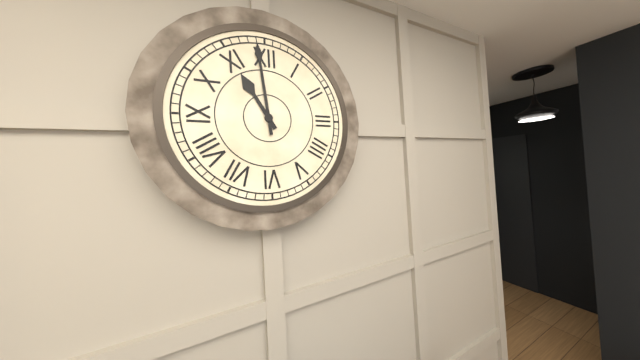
**10:59**
